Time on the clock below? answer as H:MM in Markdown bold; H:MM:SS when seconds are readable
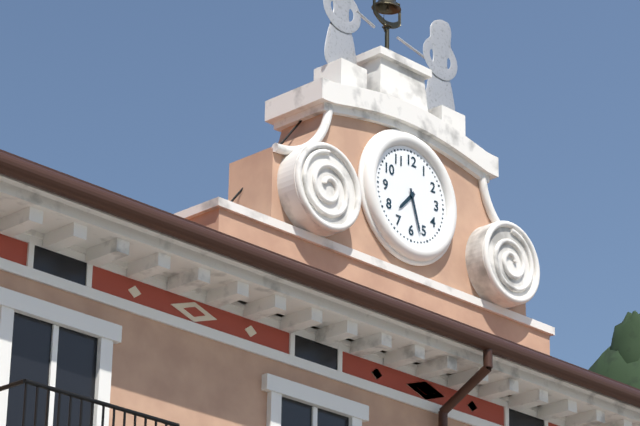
**7:27**
